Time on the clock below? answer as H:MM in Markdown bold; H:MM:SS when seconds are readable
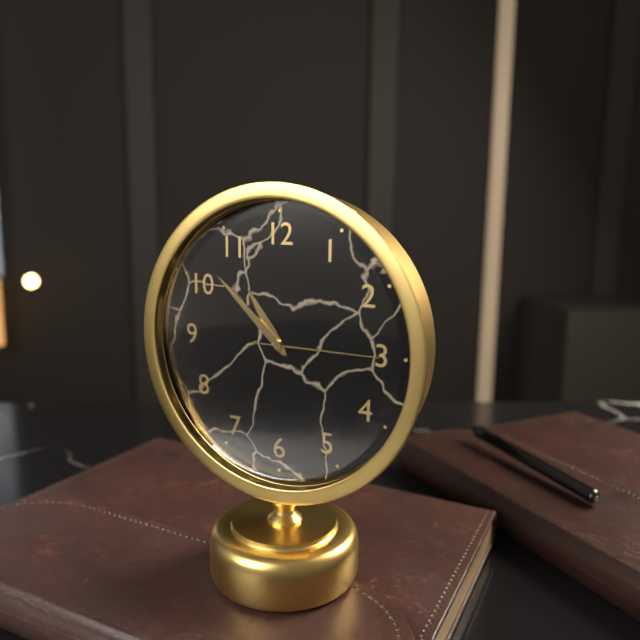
**10:52:15**
